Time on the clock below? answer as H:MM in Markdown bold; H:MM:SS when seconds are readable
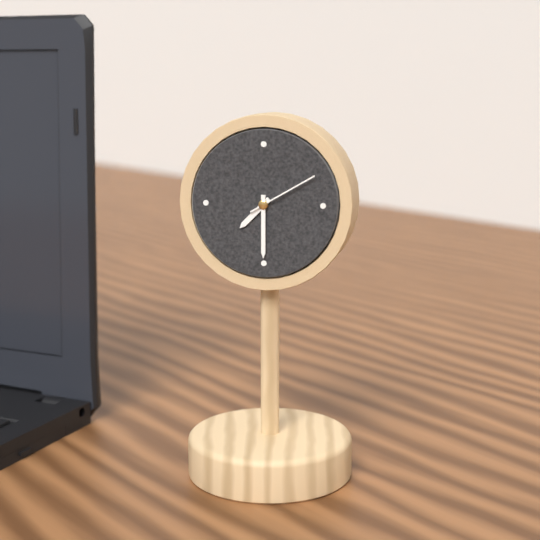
**7:30:10**
